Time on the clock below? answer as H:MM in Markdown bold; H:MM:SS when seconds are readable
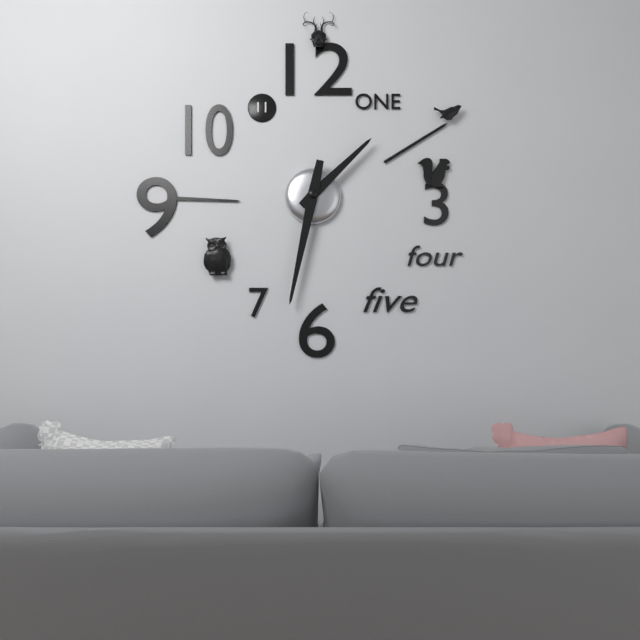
**1:32**
